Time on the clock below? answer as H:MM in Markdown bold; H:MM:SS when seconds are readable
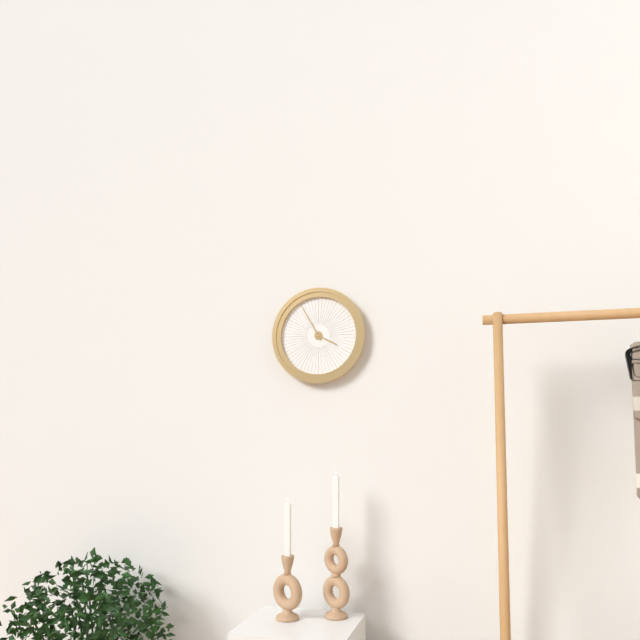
**3:55**
